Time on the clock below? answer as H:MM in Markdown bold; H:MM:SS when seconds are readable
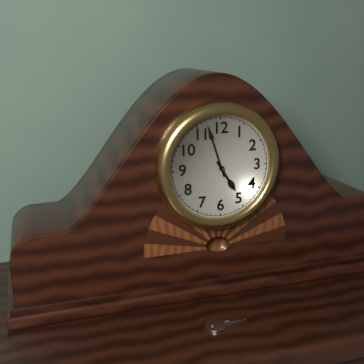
**4:57**
